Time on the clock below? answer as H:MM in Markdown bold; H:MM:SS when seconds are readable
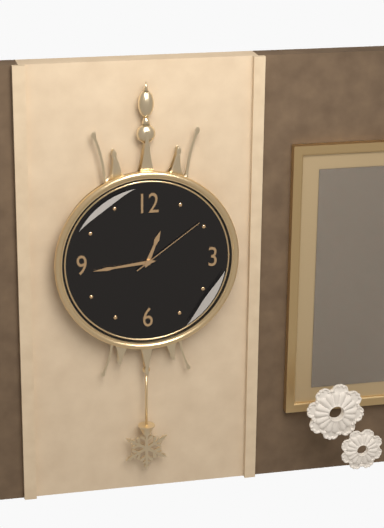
**12:44:09**
